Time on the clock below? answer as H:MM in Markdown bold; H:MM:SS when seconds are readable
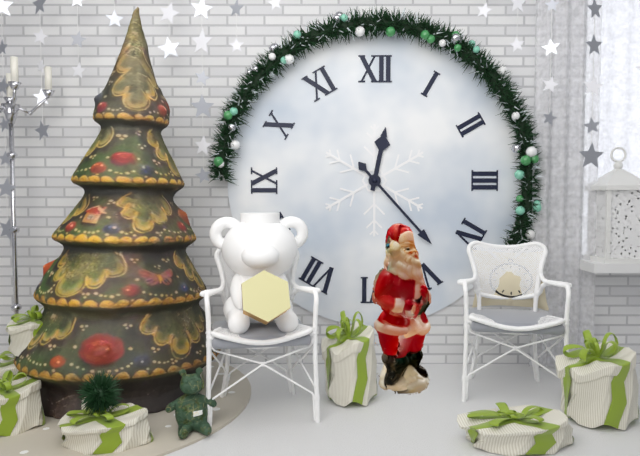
**12:23**
